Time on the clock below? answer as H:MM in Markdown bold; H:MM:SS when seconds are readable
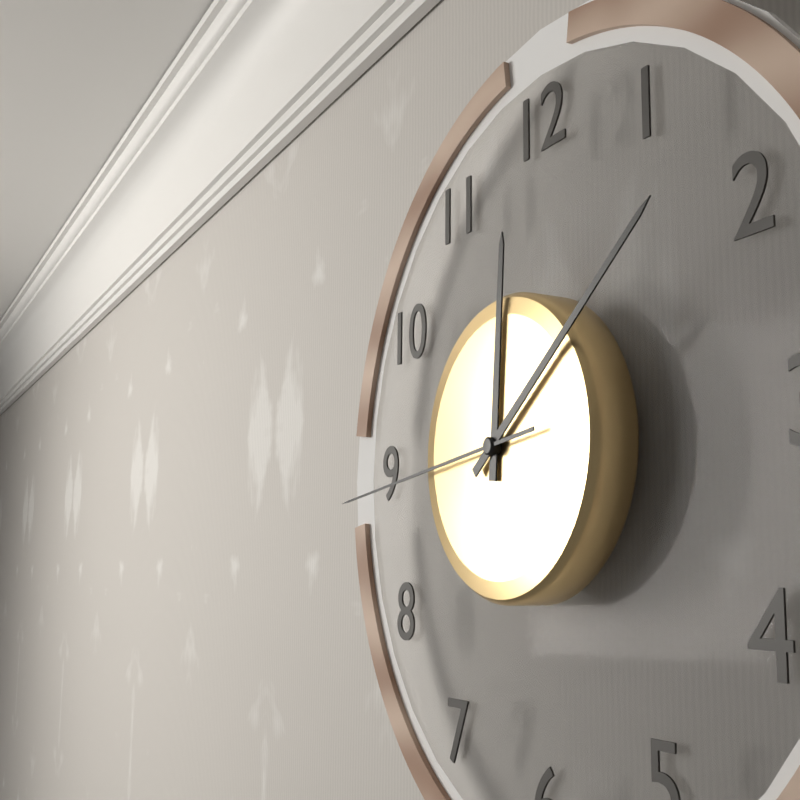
**12:09:44**
